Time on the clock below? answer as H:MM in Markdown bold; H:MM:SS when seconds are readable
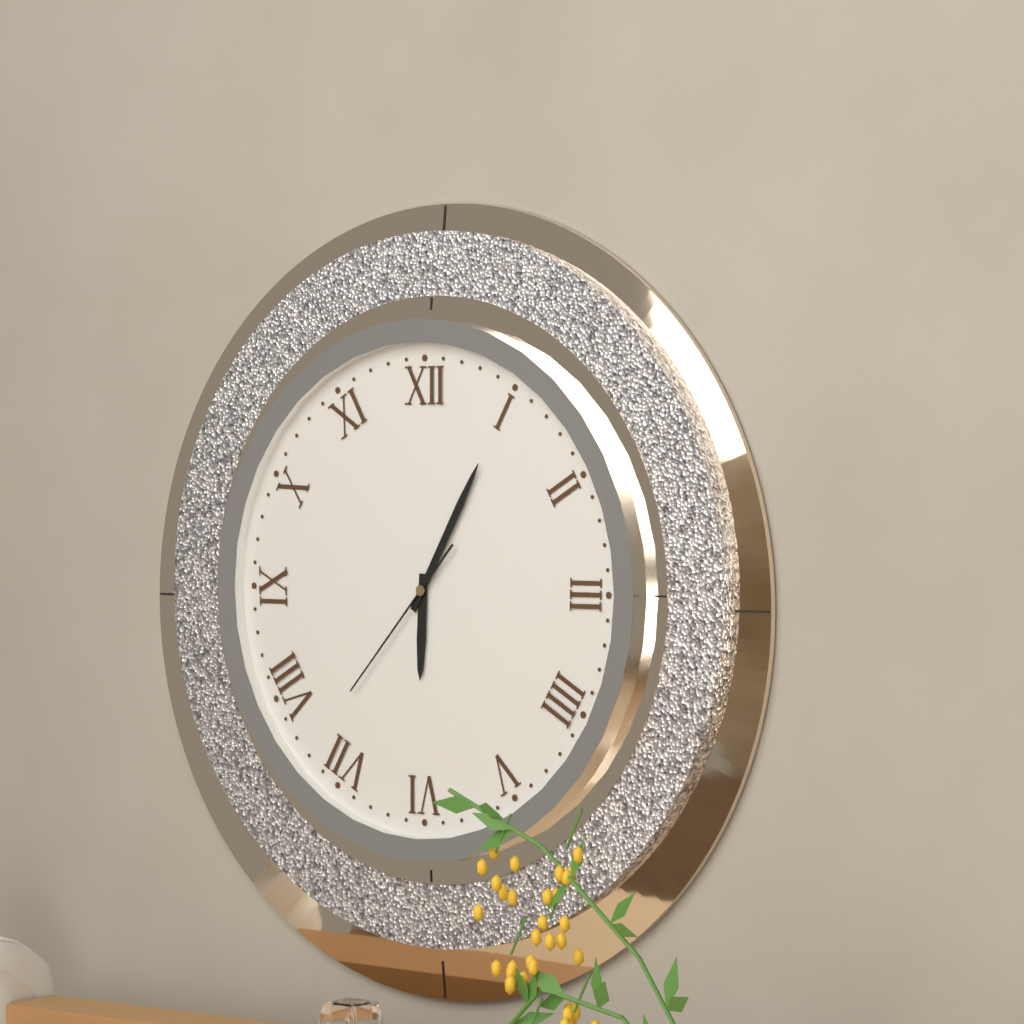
**6:05:37**
